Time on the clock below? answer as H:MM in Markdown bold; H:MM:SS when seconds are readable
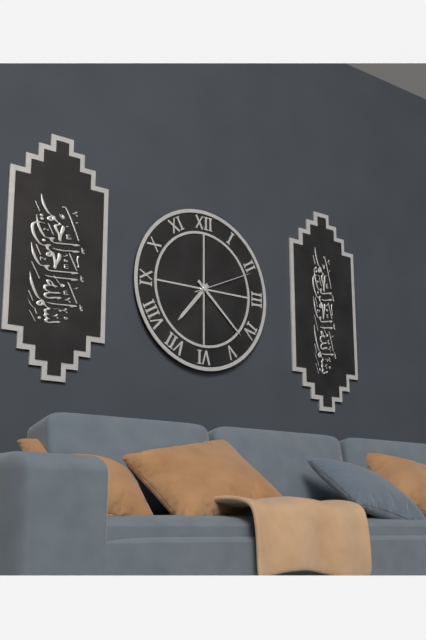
**7:22:11**
